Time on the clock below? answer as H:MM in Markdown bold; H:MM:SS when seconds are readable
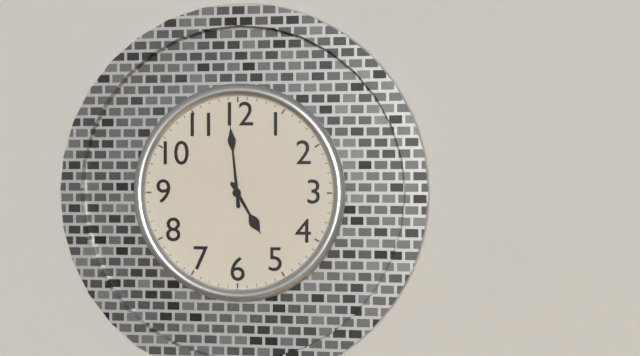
**4:59**
